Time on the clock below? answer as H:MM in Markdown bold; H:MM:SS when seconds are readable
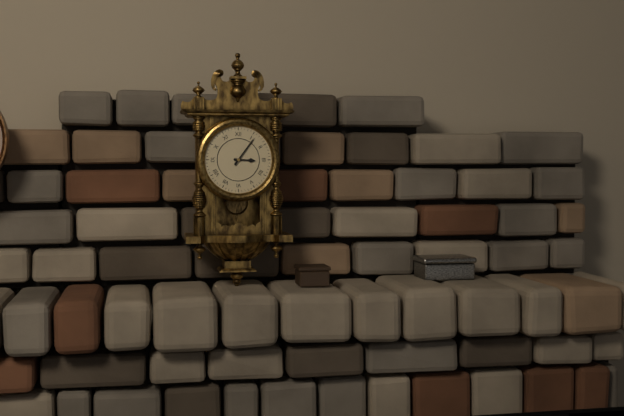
**3:06**
